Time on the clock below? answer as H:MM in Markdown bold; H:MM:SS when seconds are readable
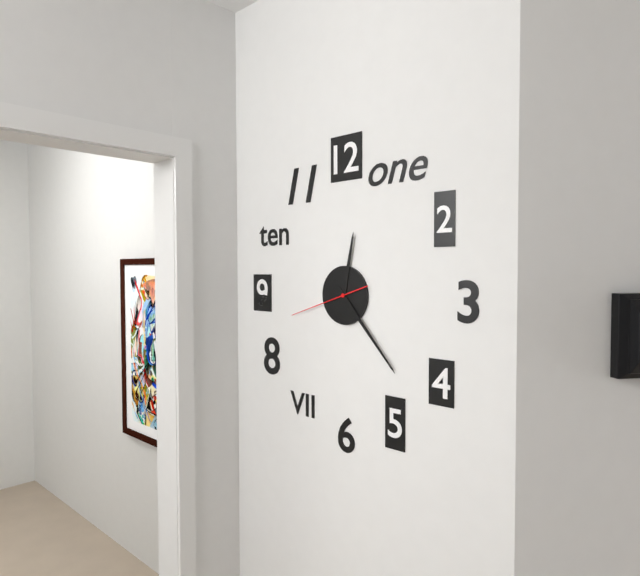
**12:23:42**
